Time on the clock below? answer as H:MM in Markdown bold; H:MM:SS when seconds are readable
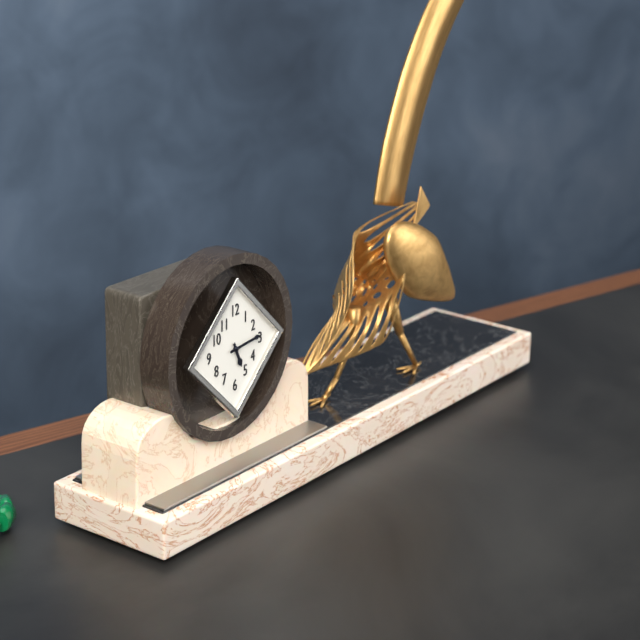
**5:14**
